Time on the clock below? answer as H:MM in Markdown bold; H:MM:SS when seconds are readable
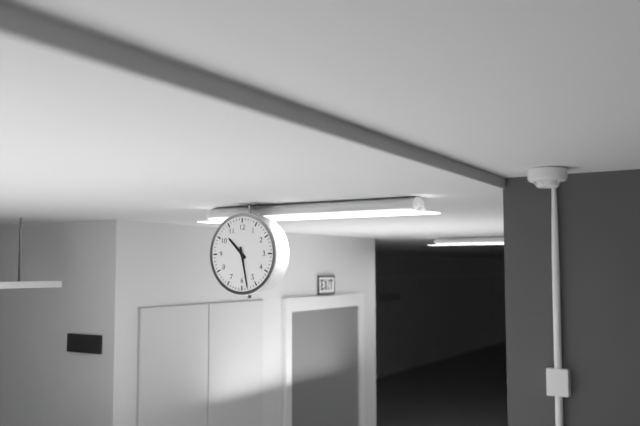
**10:28**
